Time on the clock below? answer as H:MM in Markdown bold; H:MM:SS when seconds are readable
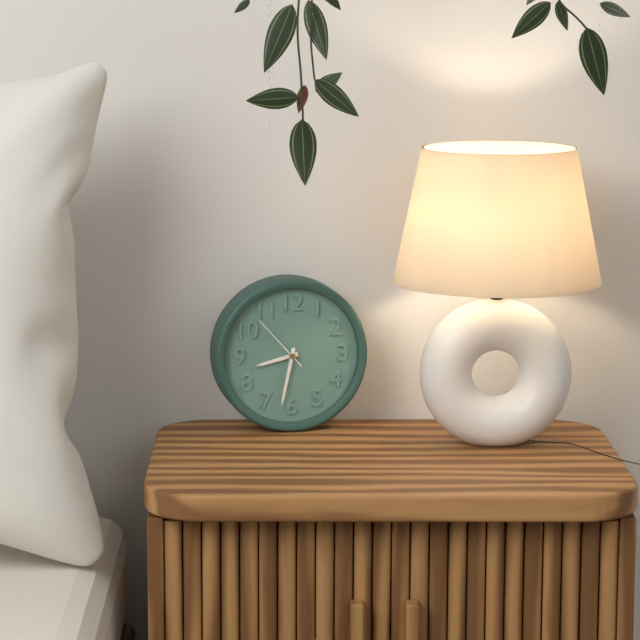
**8:32:53**
